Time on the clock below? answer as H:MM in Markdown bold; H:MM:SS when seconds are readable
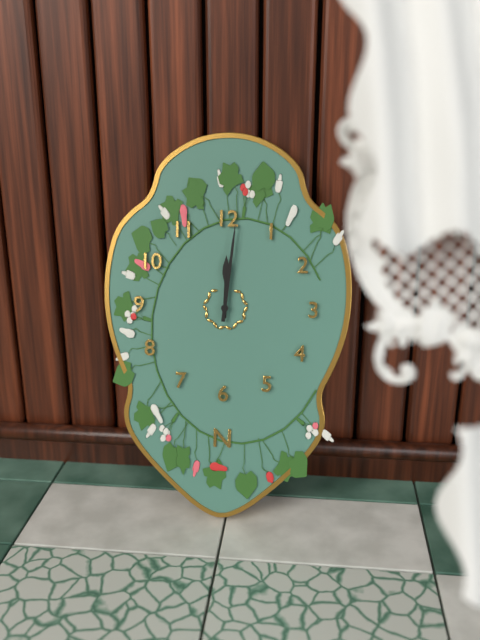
**12:01**
